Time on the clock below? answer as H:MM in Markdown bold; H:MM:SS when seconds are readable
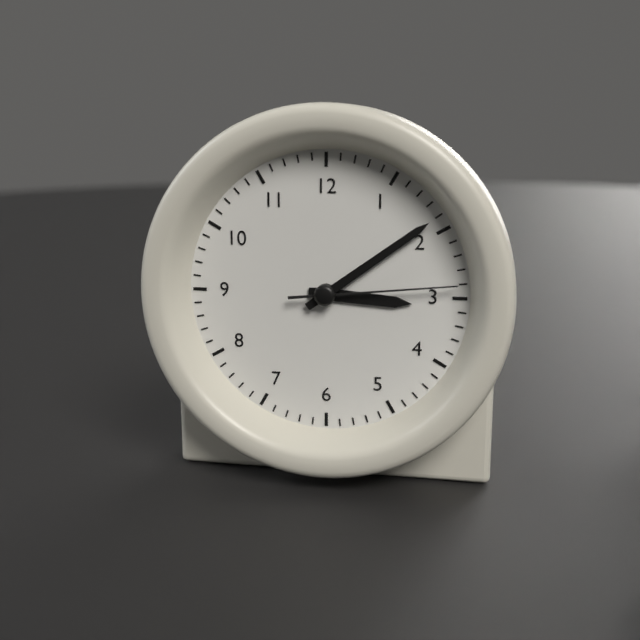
**3:09:14**
